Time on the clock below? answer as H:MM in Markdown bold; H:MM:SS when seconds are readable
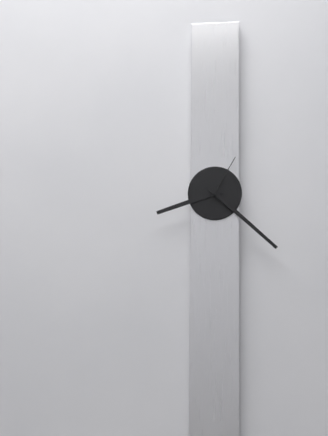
**8:22:05**
